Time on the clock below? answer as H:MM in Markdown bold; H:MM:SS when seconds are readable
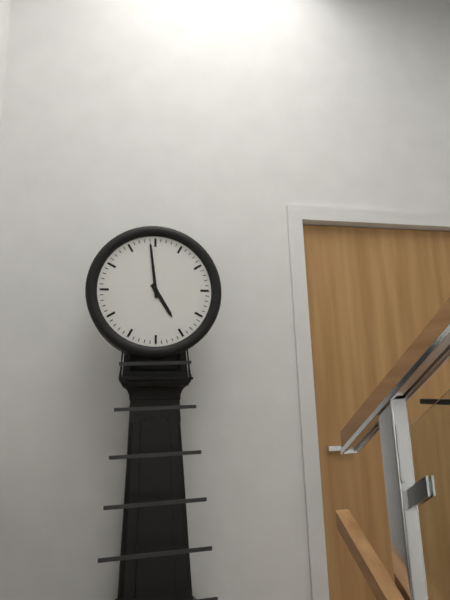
**4:59**
